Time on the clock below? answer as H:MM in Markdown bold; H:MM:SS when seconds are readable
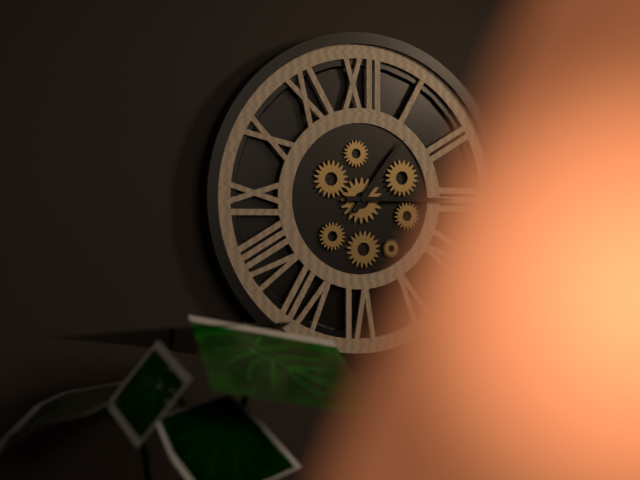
**1:15**
